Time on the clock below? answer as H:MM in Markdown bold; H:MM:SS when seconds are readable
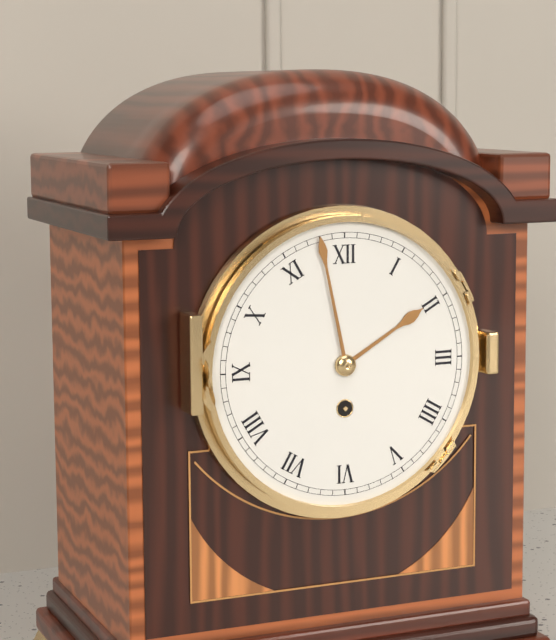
**1:58**
